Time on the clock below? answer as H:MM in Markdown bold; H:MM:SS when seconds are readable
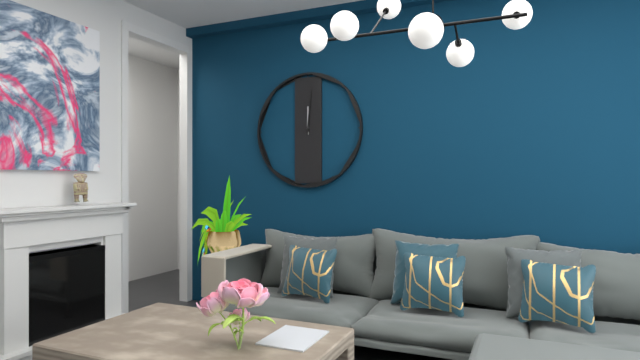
**12:01**
